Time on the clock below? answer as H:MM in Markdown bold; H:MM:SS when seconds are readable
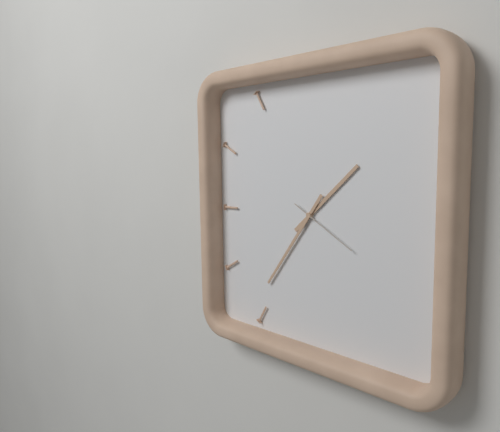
**1:36:20**
